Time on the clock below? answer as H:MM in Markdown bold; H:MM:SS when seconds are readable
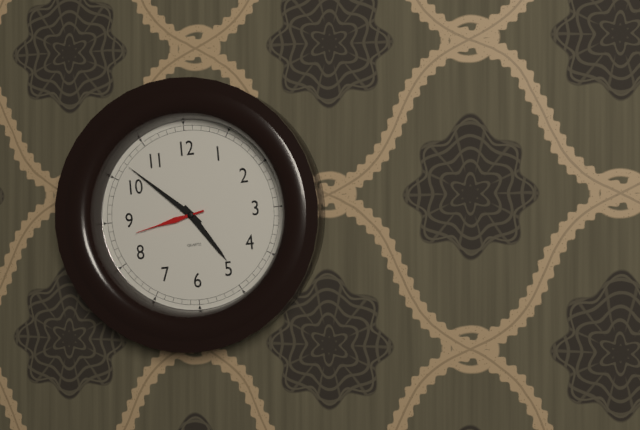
**4:52:43**
